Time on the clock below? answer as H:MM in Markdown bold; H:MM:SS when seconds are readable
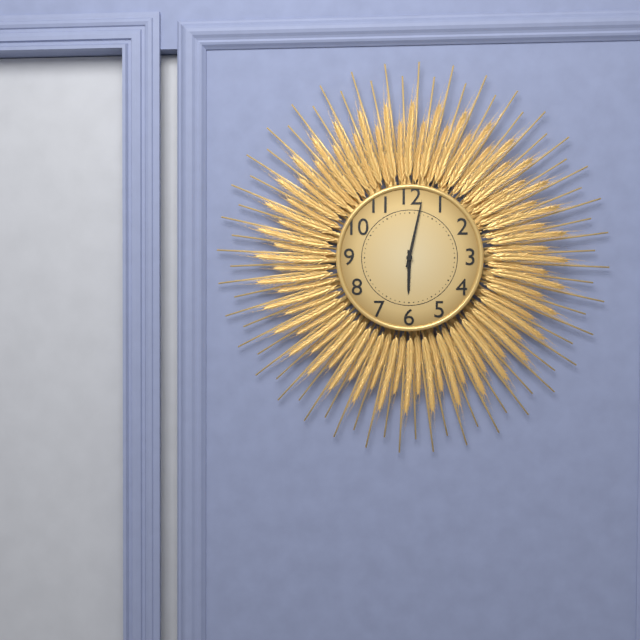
**6:02**
